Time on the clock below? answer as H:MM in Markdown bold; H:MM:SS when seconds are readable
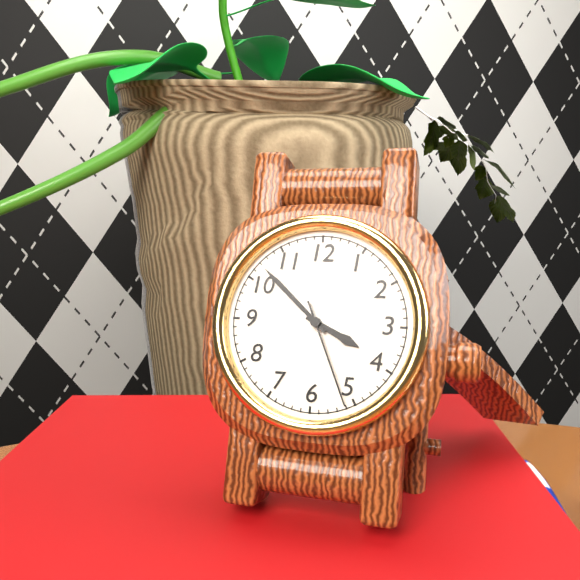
**3:52:26**
